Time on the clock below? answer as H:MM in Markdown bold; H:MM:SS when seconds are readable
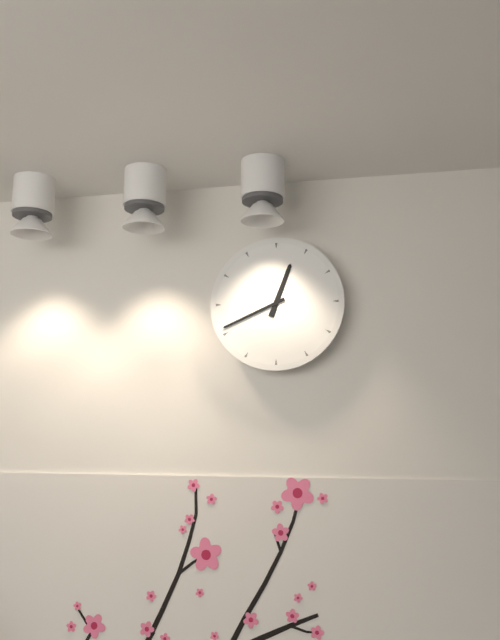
**12:41**
